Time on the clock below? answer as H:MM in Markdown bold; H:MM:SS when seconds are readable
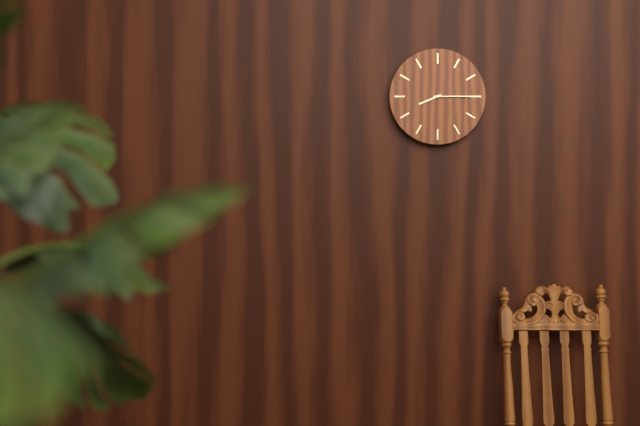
**8:15**
